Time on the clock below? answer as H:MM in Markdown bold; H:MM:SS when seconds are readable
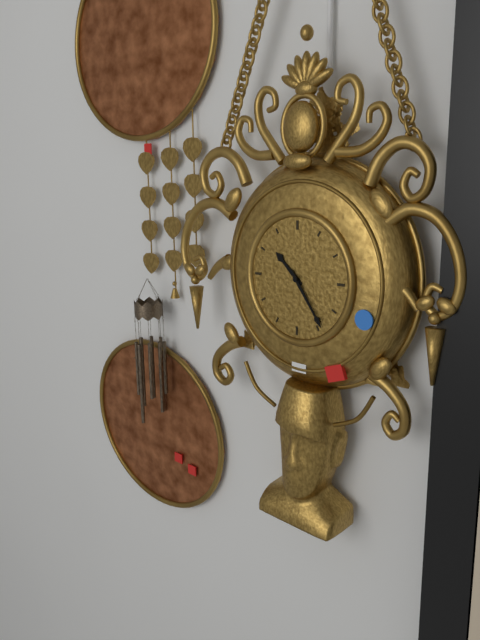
**10:24**
